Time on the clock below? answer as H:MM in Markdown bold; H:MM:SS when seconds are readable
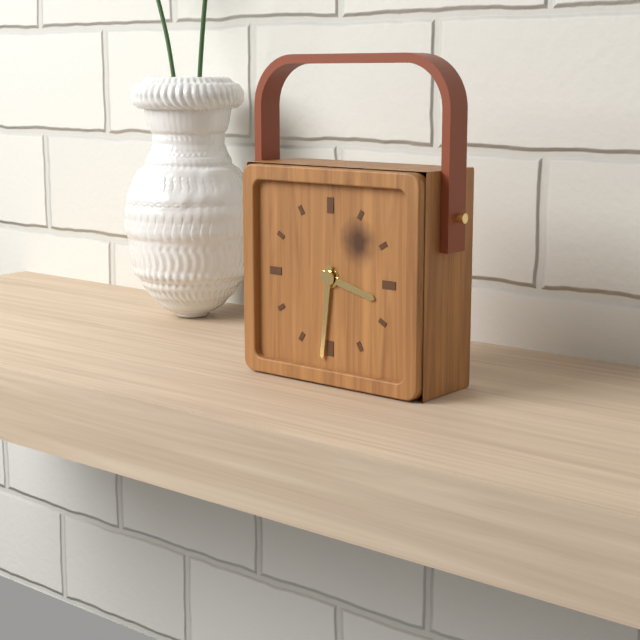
**3:31**
